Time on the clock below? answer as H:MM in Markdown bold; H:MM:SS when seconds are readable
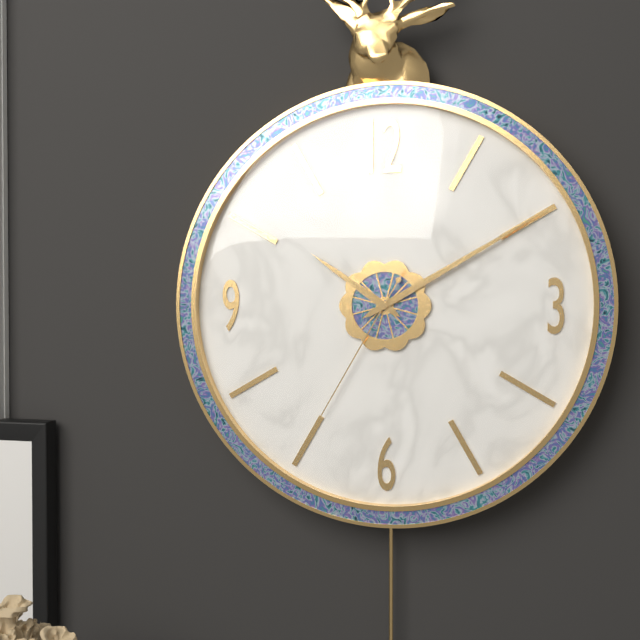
**10:10:35**
